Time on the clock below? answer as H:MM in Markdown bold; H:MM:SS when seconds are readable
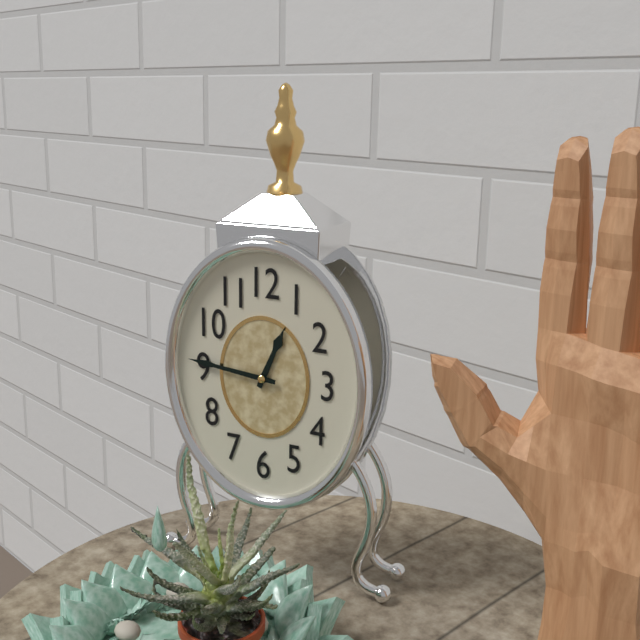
**12:46**
